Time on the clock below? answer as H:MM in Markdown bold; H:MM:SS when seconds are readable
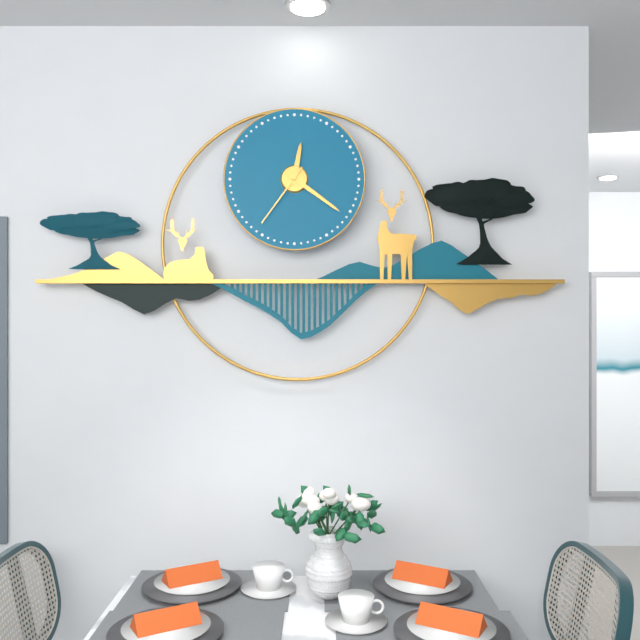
**12:21:36**
